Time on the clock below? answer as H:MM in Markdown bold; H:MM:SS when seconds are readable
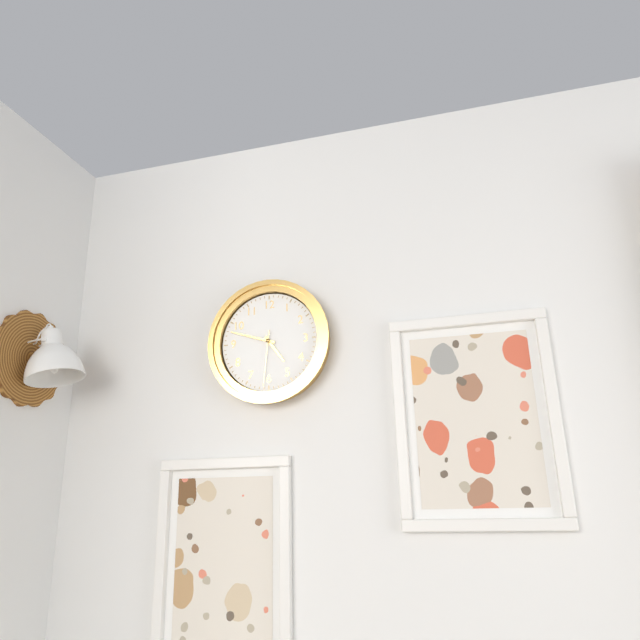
**4:48:31**
